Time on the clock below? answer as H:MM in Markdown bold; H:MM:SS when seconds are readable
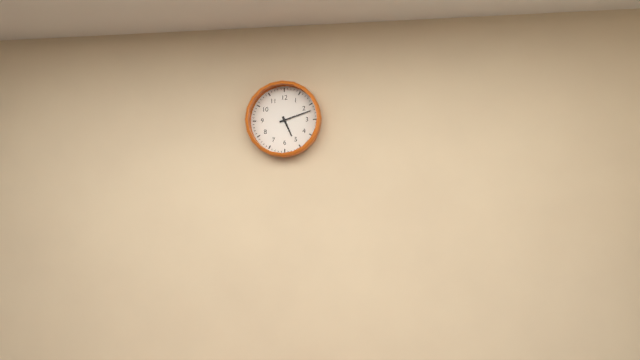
**5:12**
